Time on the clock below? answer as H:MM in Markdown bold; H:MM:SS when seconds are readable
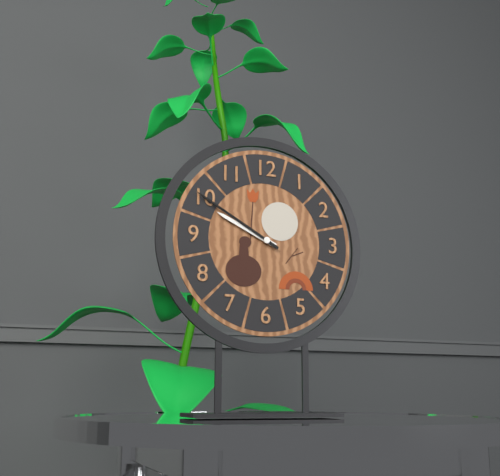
**9:50**
